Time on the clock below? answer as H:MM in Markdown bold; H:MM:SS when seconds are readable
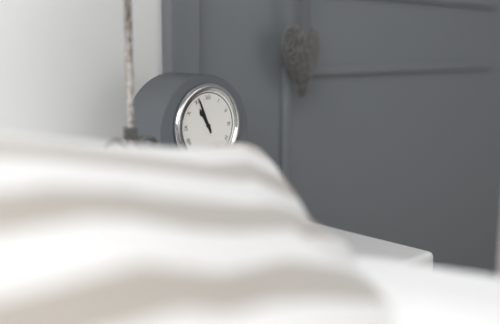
**10:56**
